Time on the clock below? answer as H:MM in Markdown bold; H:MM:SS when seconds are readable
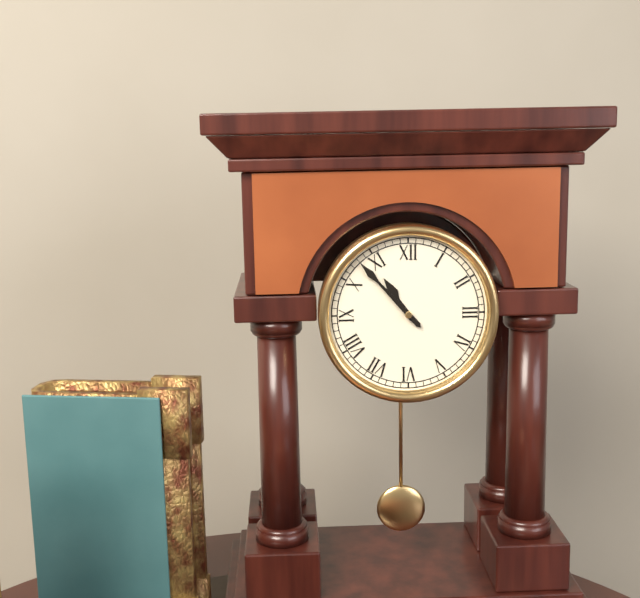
**10:53**
